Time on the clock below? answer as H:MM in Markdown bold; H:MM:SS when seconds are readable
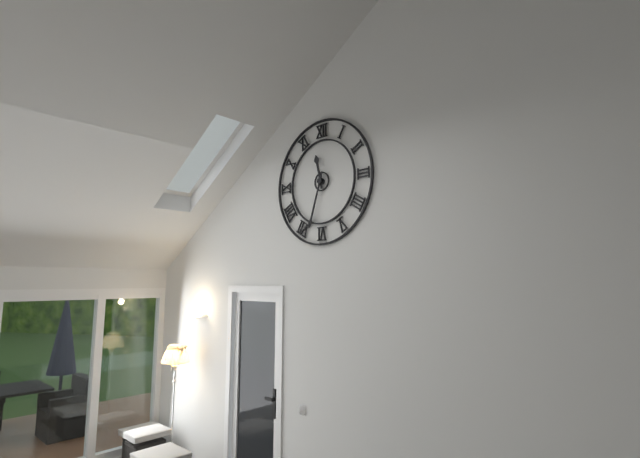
**11:33**
